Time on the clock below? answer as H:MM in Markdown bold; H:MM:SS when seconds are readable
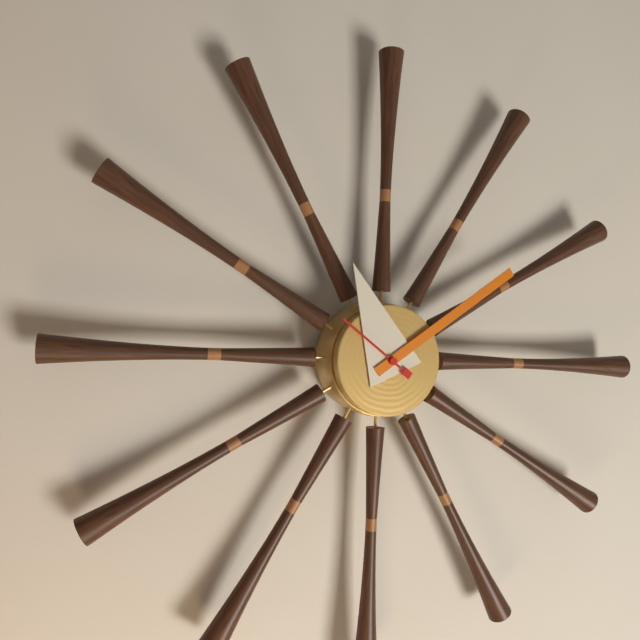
**11:09:51**
